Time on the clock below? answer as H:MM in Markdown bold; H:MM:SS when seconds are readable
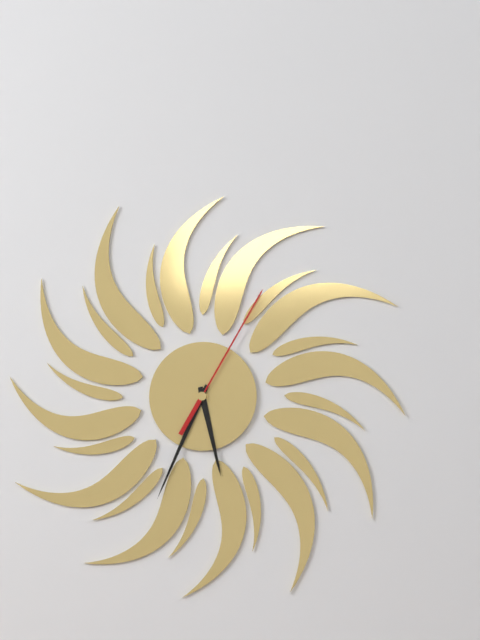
**5:34:05**
